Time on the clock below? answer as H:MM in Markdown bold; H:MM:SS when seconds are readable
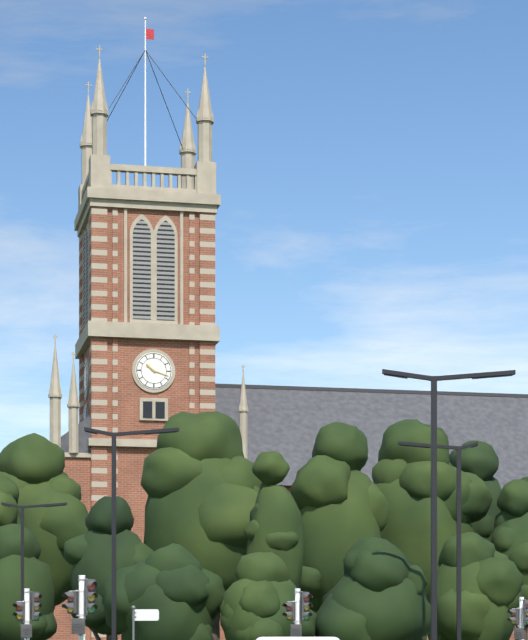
**10:18**
